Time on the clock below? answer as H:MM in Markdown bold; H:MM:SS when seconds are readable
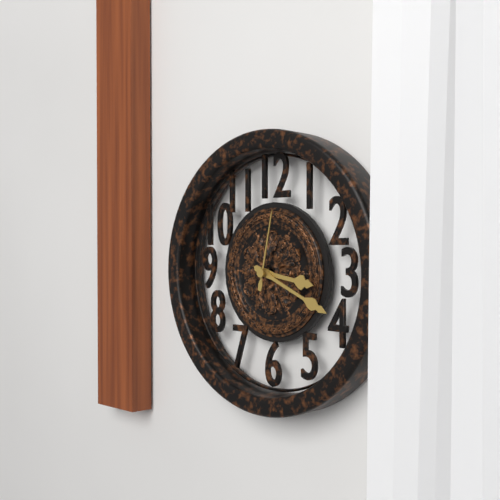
**3:19:02**
